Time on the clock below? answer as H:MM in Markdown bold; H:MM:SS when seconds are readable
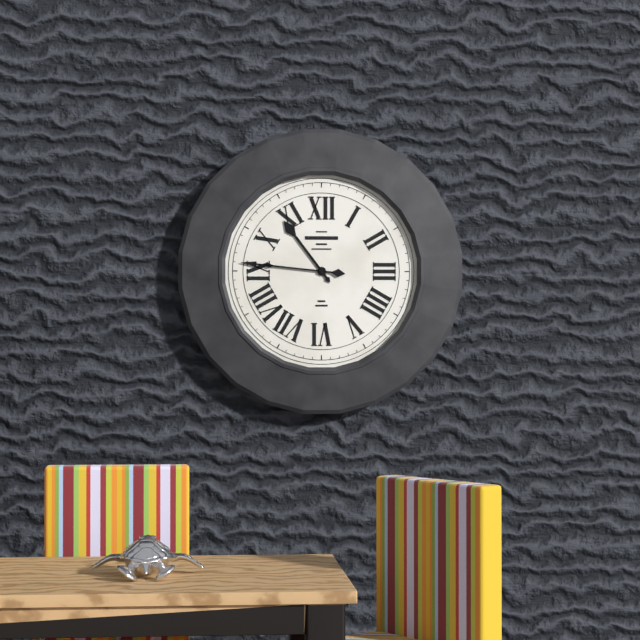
**10:46**
